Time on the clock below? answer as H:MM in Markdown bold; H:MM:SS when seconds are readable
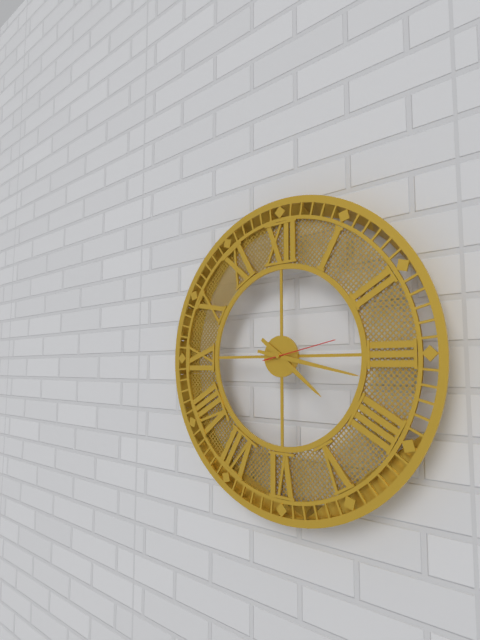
**4:17:13**
